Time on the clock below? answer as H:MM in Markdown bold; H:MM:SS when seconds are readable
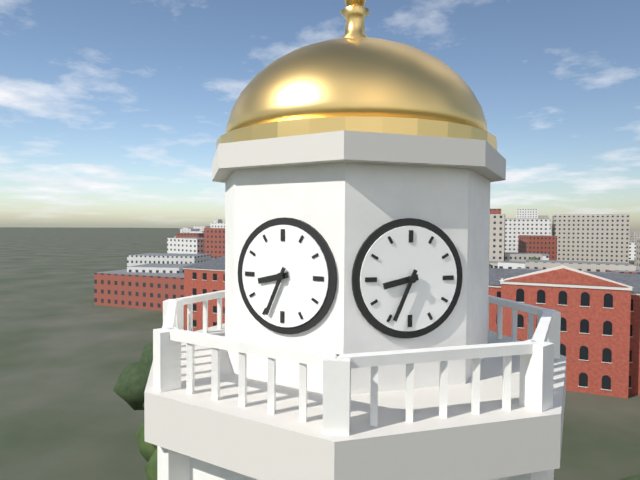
**8:34**
